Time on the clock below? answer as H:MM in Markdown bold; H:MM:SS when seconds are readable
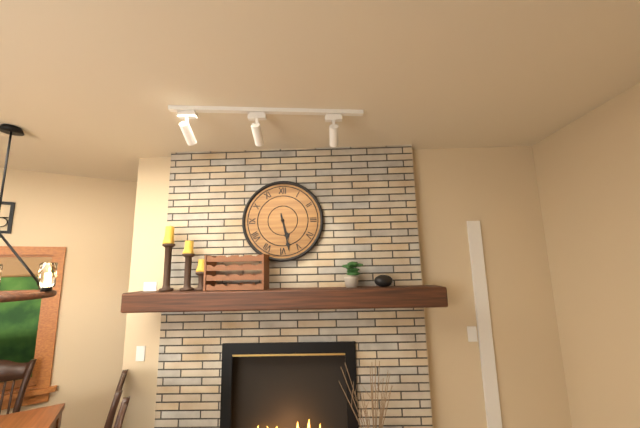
**5:28**
